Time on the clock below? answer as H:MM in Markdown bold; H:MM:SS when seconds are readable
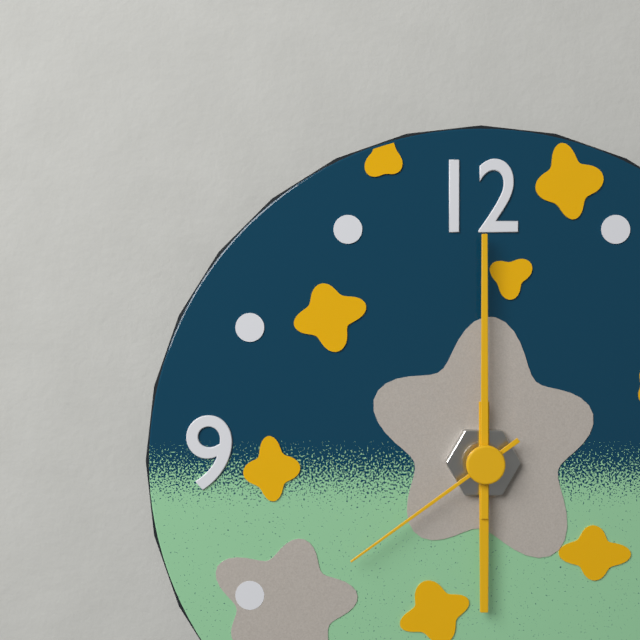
**6:00:39**
